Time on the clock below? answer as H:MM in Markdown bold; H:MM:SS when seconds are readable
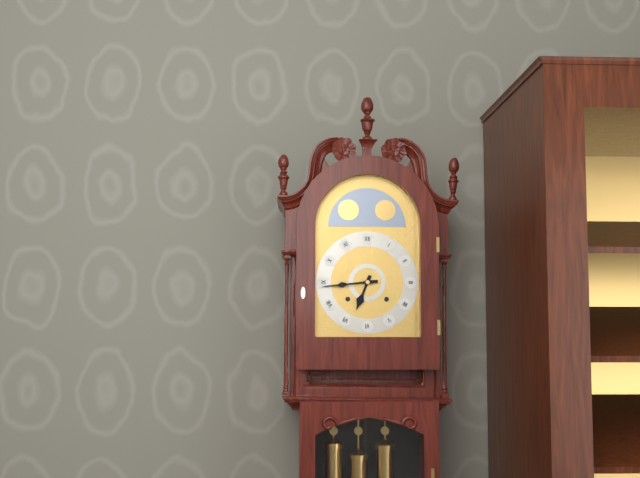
**6:44**
